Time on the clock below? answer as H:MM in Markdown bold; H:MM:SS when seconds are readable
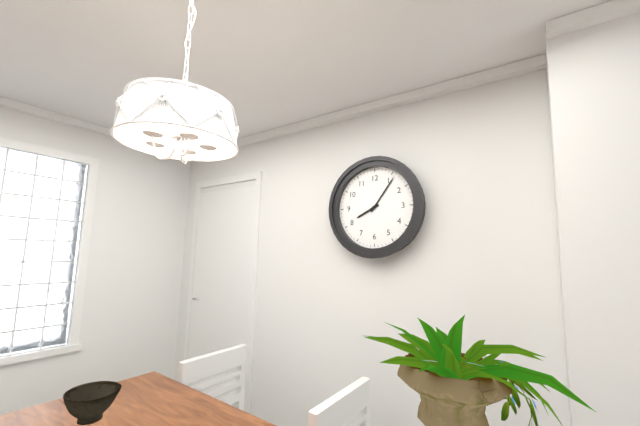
**8:06**
